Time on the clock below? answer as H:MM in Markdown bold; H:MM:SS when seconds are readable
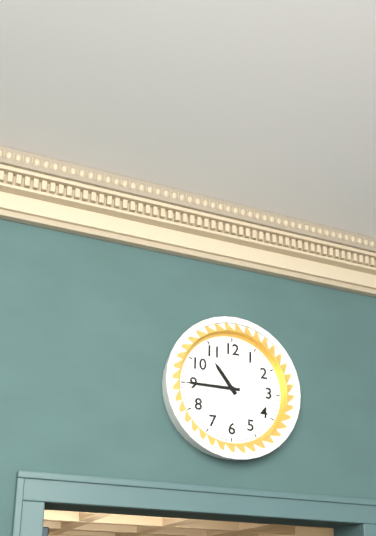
**10:45**
